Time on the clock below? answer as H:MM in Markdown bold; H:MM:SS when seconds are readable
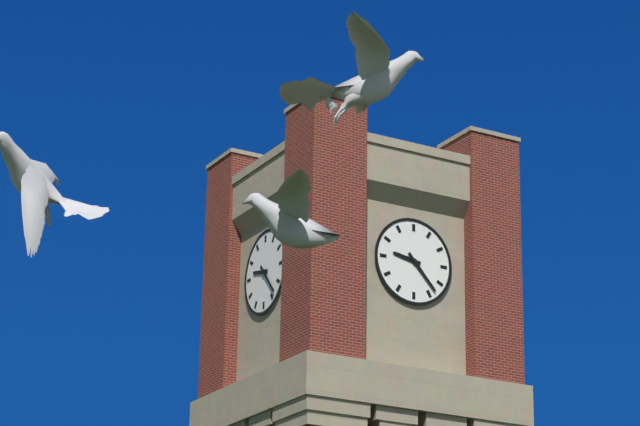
**9:23**
